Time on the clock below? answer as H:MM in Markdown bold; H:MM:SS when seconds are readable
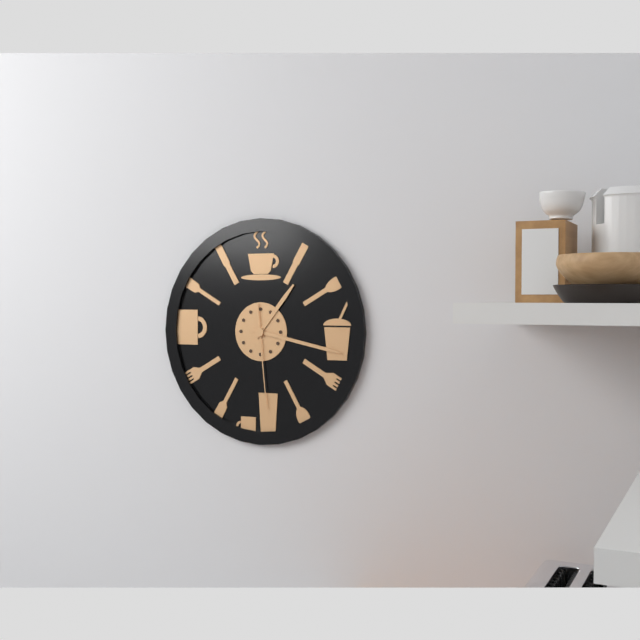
**1:17:29**
